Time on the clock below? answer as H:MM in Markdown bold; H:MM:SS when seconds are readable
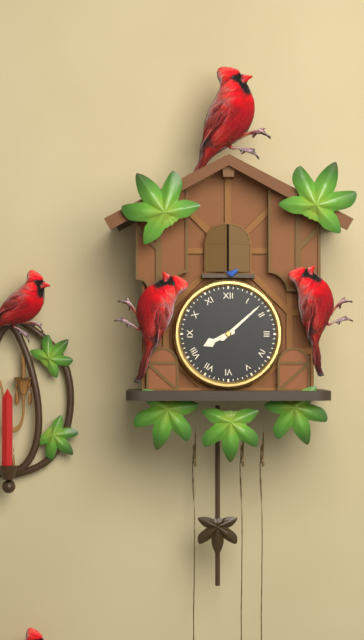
**8:08**
